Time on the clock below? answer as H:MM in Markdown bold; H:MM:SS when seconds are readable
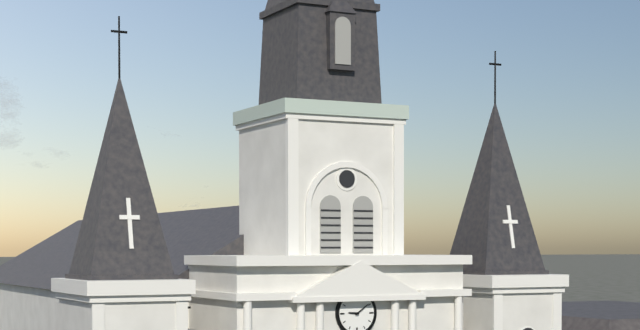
**9:09**
